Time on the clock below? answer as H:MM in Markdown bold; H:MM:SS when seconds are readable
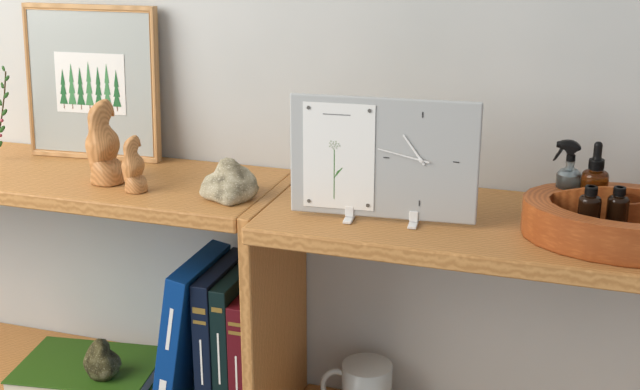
**10:47**
